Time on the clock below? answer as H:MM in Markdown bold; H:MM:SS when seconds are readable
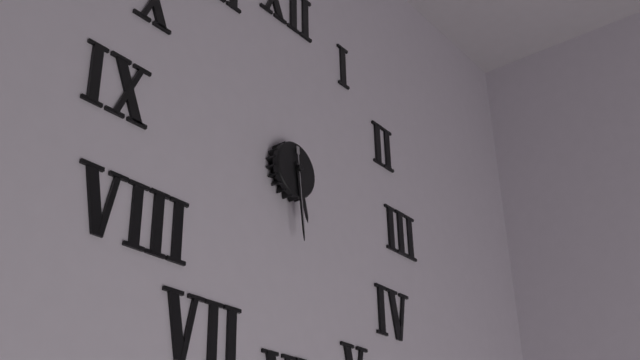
**5:29:29**
